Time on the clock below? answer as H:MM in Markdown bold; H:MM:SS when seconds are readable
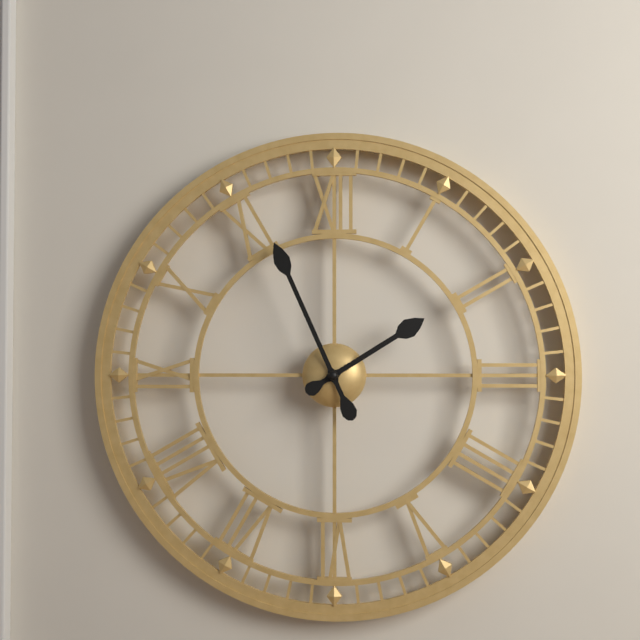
**1:56**
